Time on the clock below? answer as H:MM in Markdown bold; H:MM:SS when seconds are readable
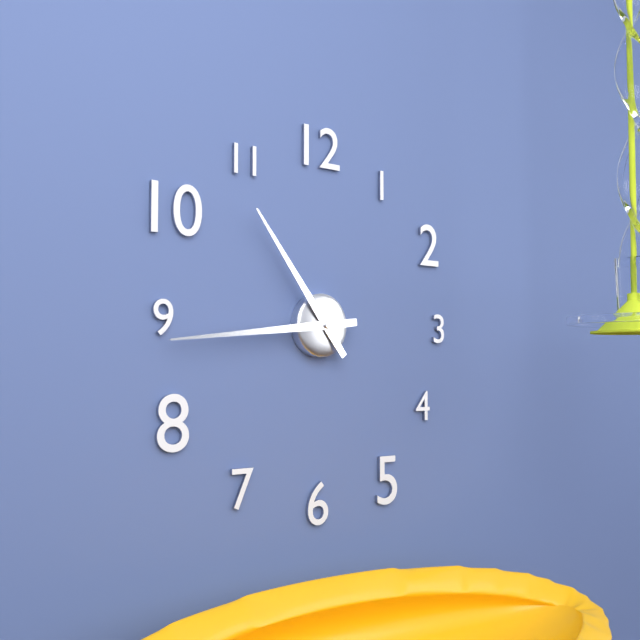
**10:44**
